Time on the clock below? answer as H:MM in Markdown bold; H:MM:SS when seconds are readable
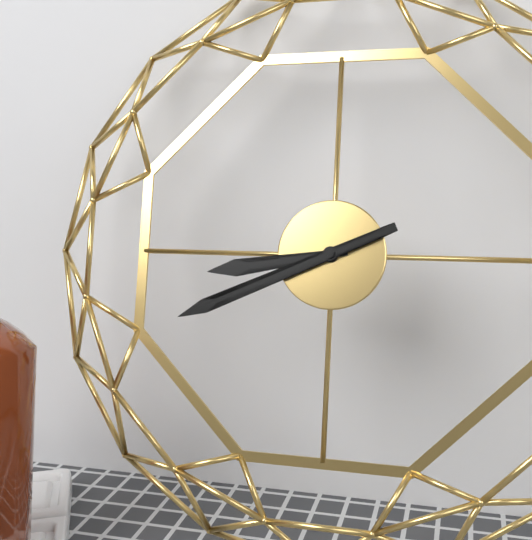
**8:41**
